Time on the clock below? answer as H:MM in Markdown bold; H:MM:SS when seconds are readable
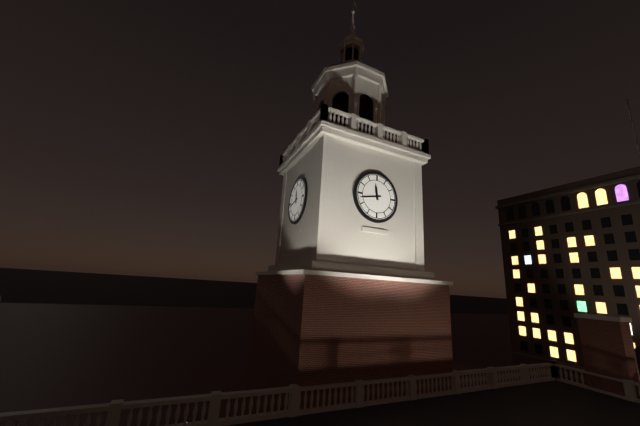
**11:43**
